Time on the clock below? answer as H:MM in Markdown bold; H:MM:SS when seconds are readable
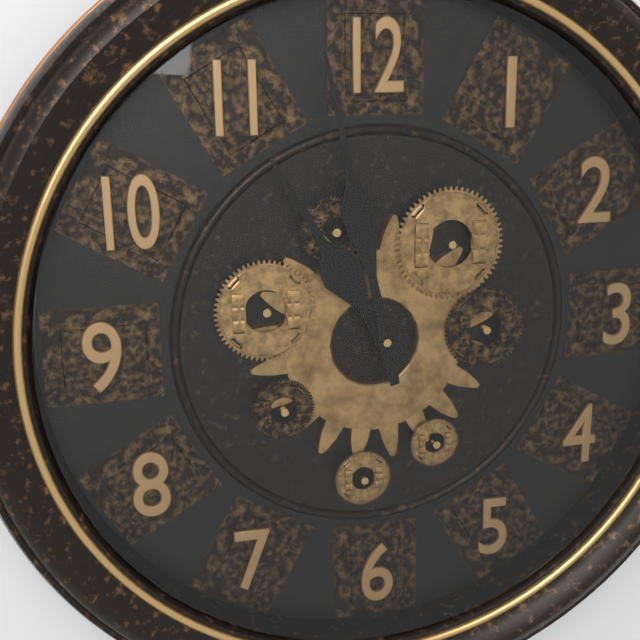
**10:58**
